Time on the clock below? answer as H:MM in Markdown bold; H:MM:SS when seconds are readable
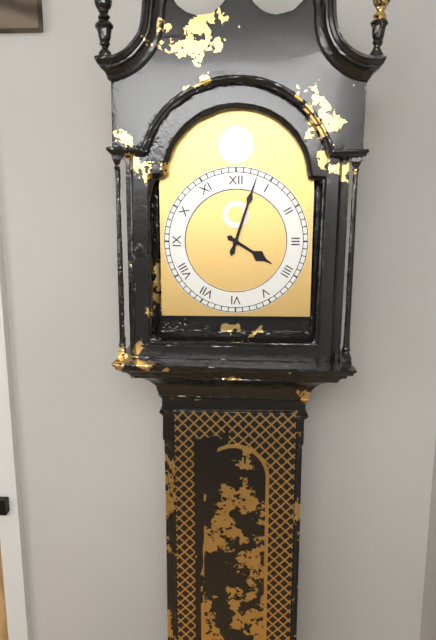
**4:03**
